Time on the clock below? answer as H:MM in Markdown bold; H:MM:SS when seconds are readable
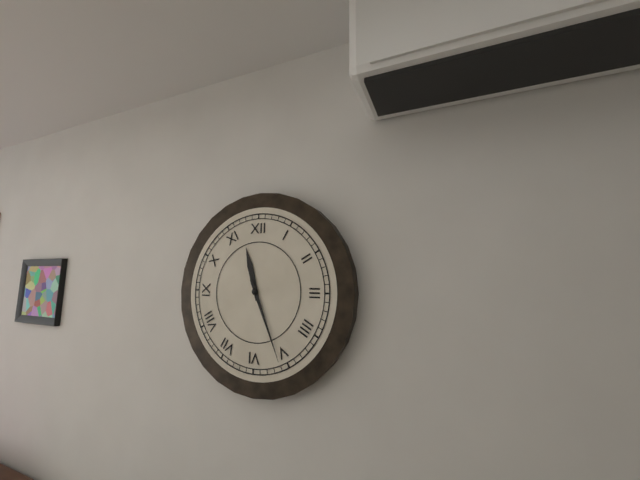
**11:26**
